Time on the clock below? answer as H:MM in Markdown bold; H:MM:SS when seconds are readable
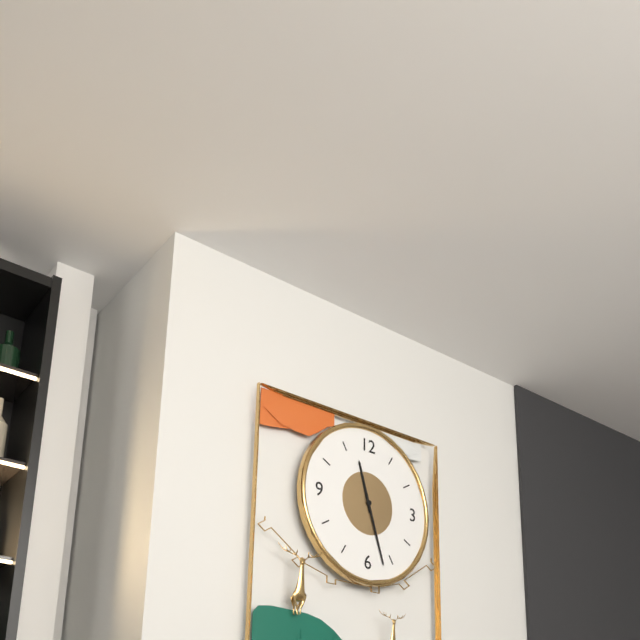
**11:27**
